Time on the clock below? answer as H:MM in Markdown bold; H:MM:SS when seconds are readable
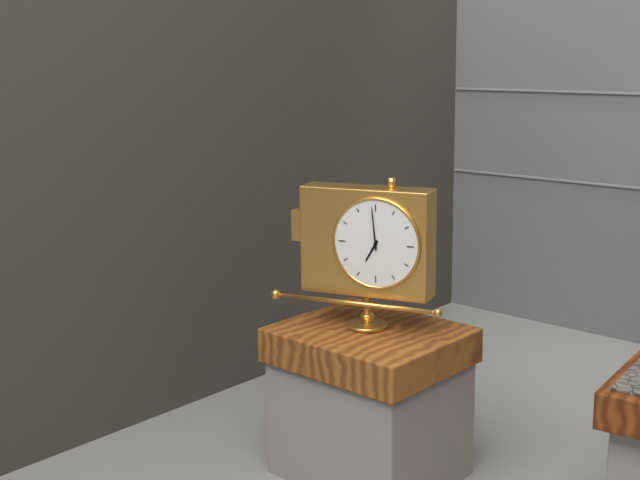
**6:59**
